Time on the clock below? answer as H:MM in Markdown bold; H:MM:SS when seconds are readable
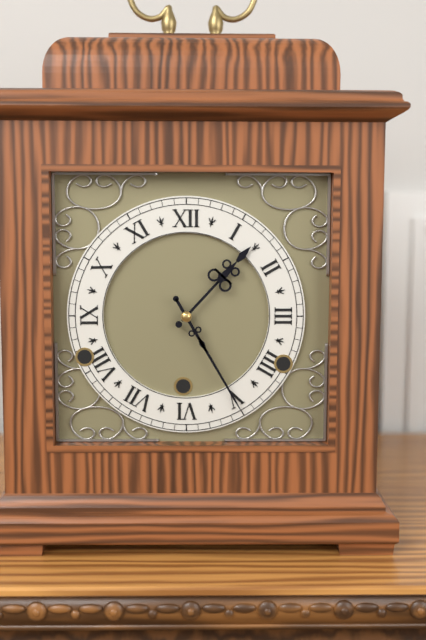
**1:25**
